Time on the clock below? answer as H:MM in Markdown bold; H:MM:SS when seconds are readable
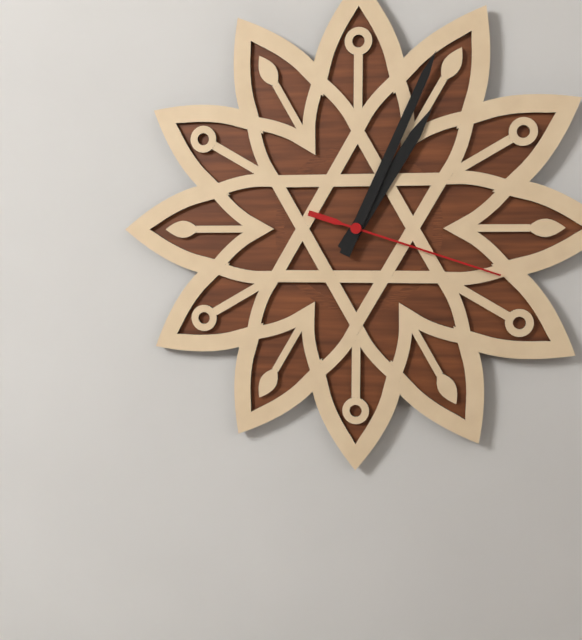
**1:04:18**
